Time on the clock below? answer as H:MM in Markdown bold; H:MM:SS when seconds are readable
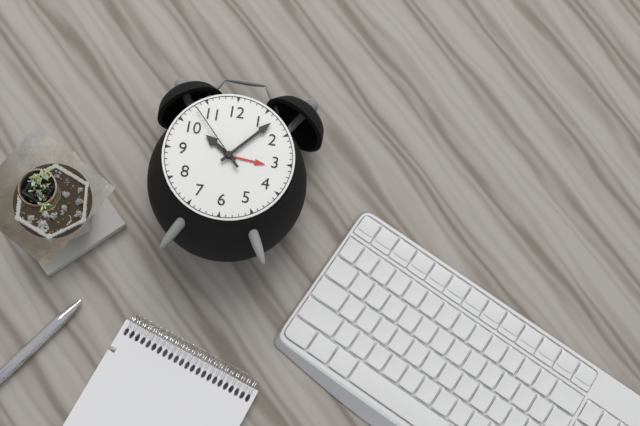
**10:07:53**
